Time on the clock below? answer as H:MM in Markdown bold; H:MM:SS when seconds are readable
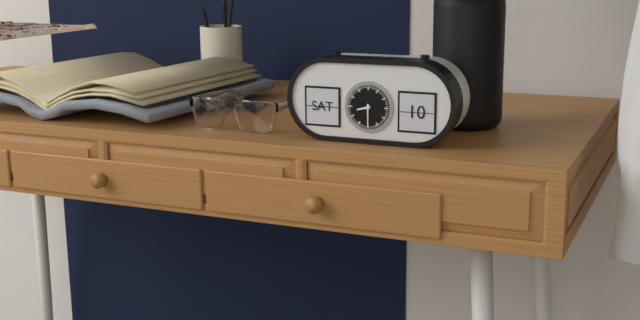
**8:30**
